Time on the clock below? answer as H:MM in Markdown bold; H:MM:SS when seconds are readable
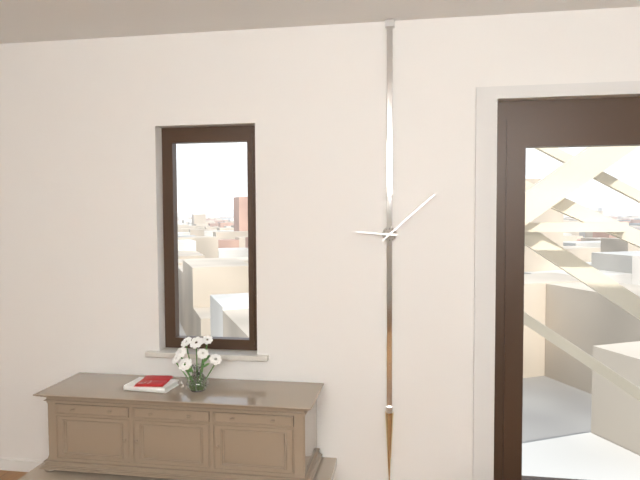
**9:08**
